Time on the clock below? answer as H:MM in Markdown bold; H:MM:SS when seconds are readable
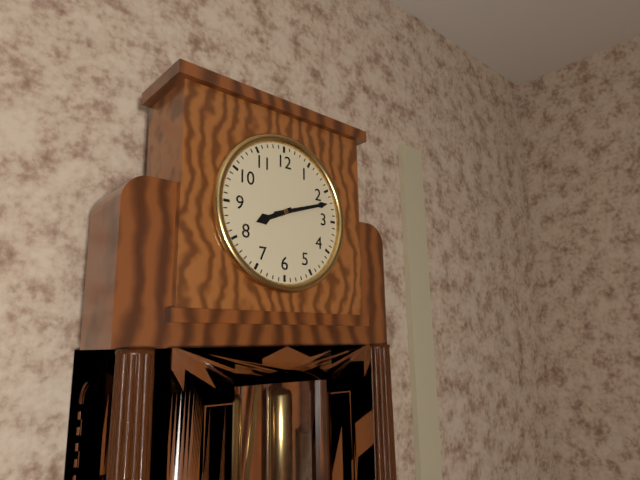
**8:12**
